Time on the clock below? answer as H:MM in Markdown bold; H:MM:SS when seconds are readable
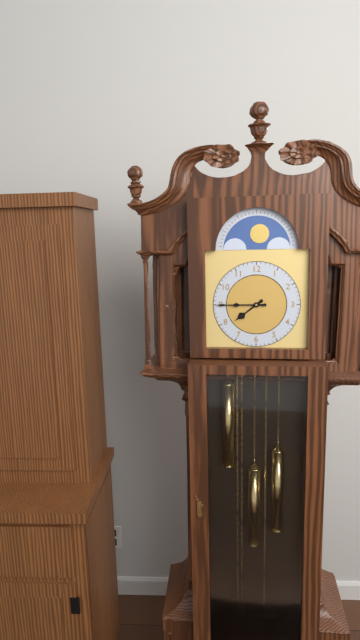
**7:45**
